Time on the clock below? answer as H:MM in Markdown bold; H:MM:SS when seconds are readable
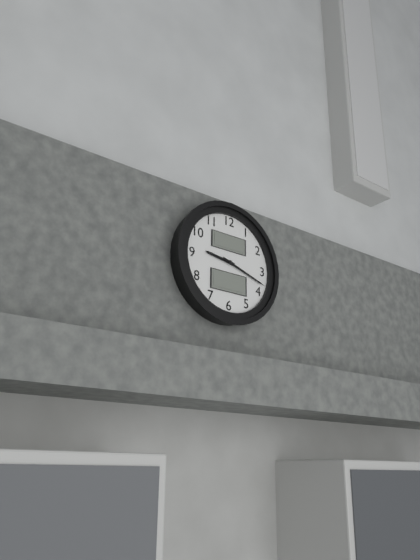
**9:18**
